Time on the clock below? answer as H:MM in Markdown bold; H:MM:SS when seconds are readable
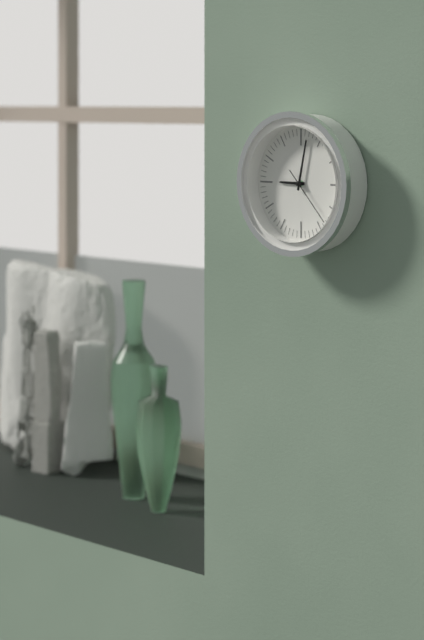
**9:02:23**
